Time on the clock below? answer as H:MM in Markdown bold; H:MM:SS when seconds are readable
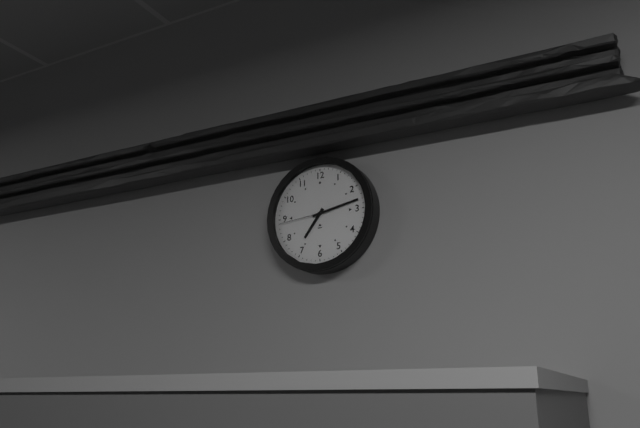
**7:13:44**
